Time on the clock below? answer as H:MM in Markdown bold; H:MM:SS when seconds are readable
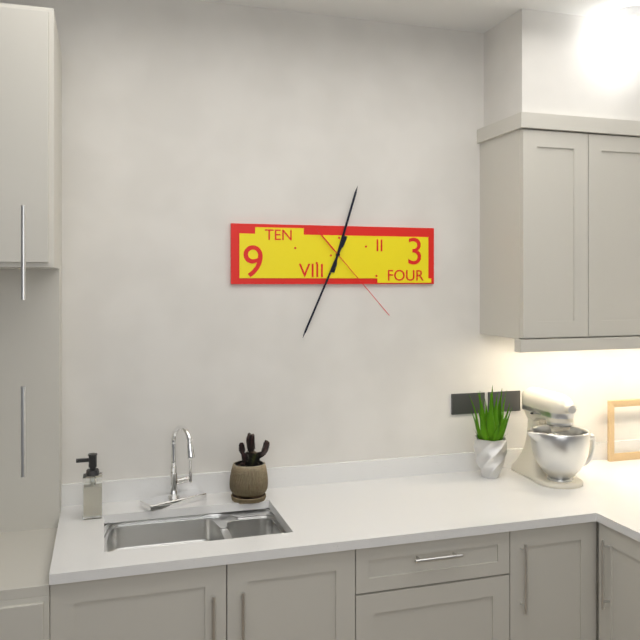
**12:34:23**
